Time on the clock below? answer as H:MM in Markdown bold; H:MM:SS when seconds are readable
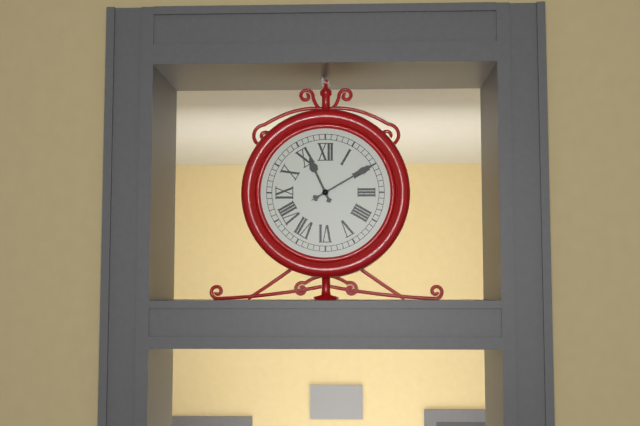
**11:10**
